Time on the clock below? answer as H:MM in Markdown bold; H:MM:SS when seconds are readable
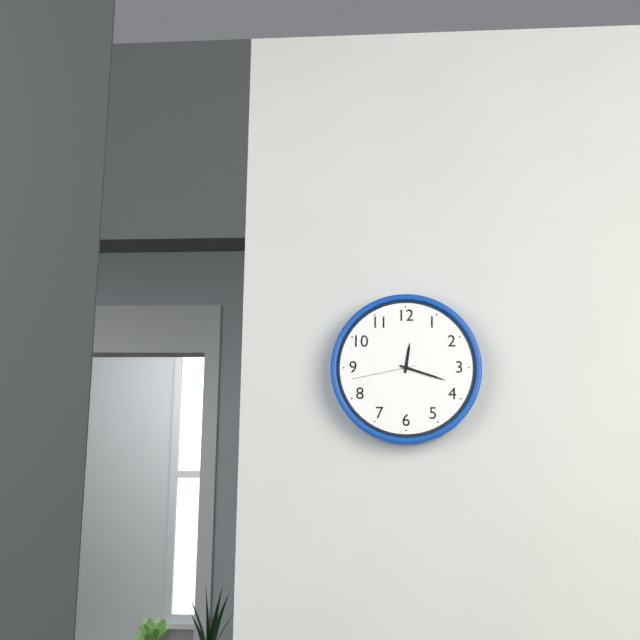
**12:18:43**
